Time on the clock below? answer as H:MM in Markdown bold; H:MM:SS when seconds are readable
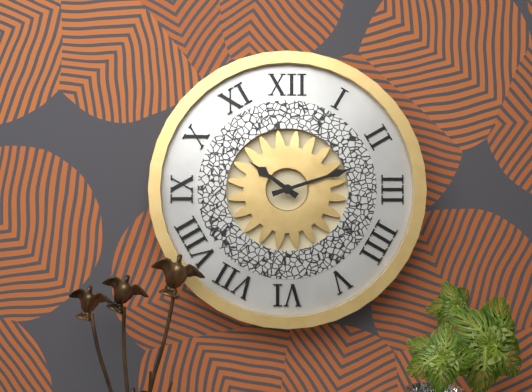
**10:12**
